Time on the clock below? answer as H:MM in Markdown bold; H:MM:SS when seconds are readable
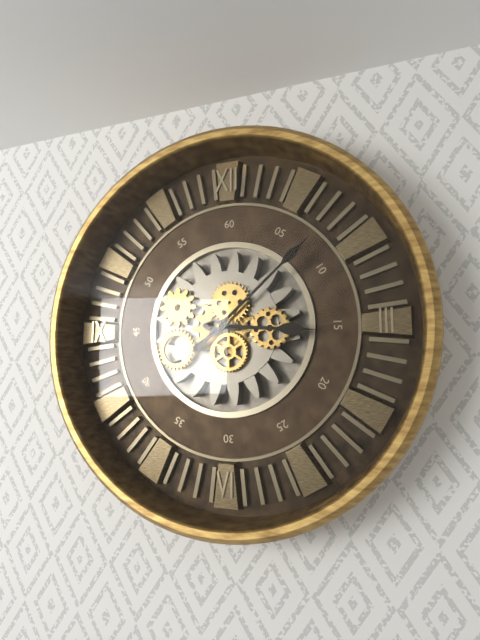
**3:08**
